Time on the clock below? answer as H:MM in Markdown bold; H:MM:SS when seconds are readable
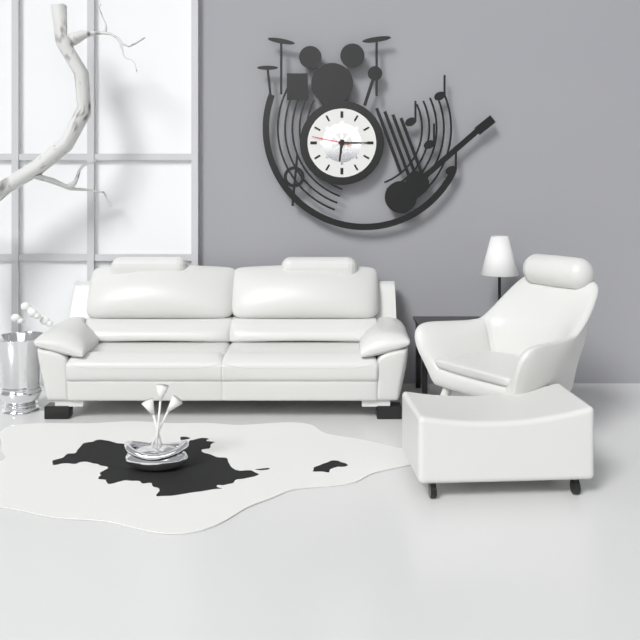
**6:15**
